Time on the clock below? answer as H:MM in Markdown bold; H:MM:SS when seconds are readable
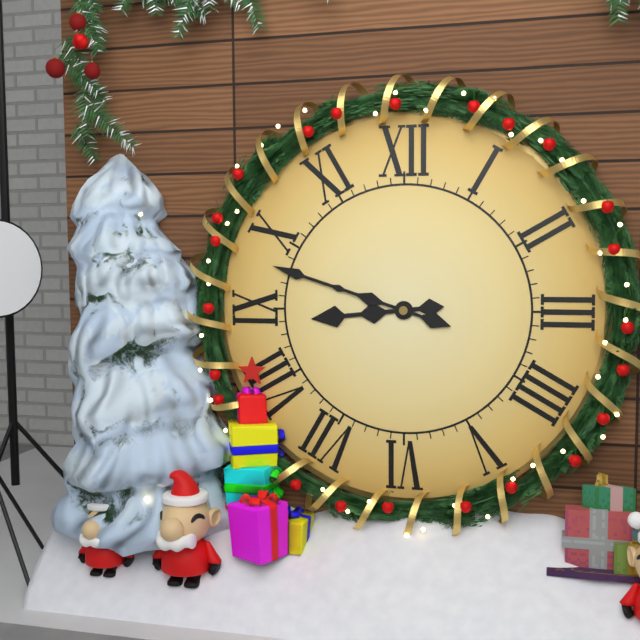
**8:48**
